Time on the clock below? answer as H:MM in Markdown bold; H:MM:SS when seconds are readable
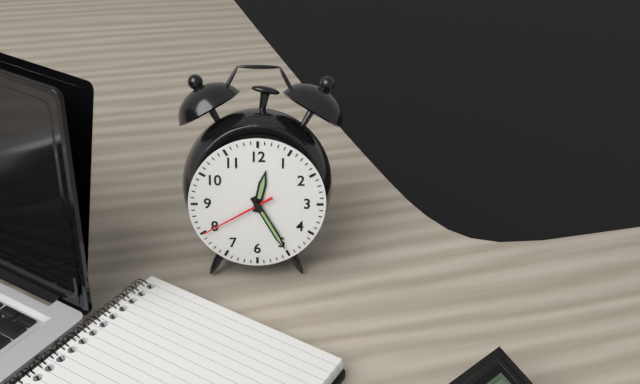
**12:25:40**
